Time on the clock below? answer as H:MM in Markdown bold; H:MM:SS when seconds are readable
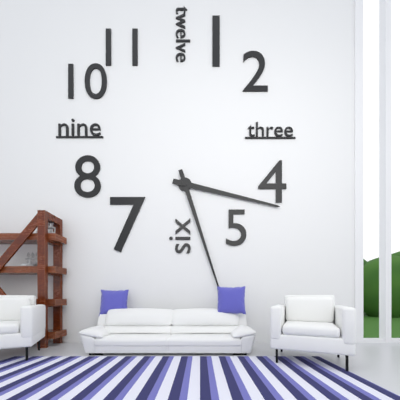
**3:27**
